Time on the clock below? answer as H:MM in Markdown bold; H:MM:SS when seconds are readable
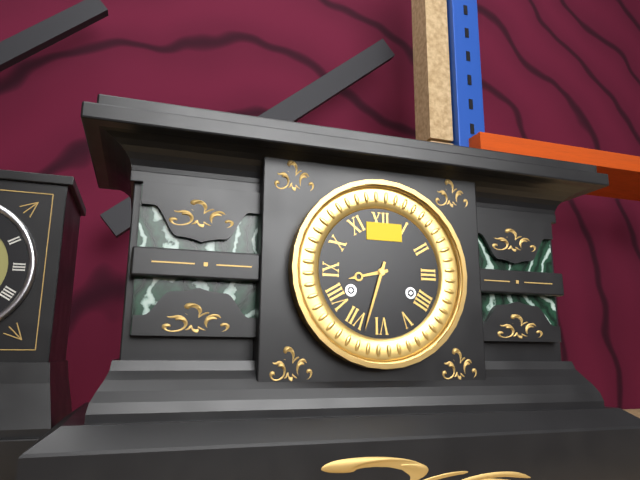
**8:33**
